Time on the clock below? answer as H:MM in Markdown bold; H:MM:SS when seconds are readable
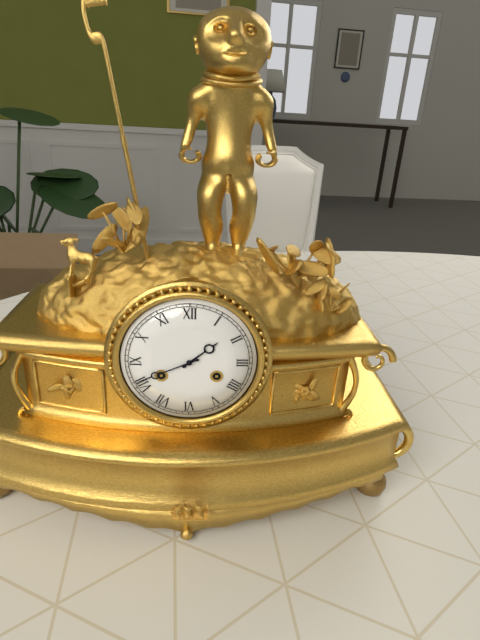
**1:41**
